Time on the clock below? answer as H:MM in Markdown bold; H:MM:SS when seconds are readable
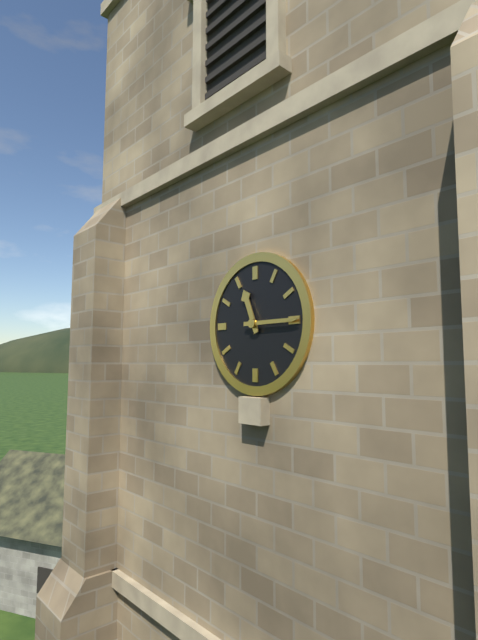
**11:15**
